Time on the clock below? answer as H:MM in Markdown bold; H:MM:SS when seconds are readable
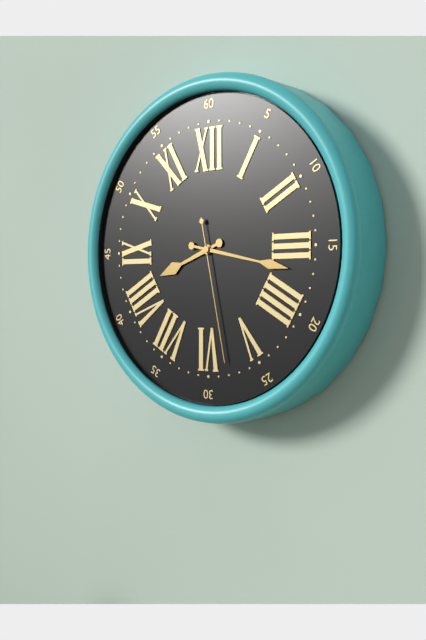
**8:17:28**
